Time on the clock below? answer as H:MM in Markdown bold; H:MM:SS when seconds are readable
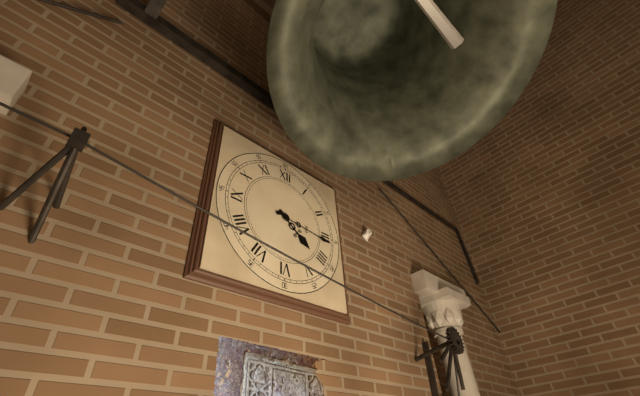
**4:16**
